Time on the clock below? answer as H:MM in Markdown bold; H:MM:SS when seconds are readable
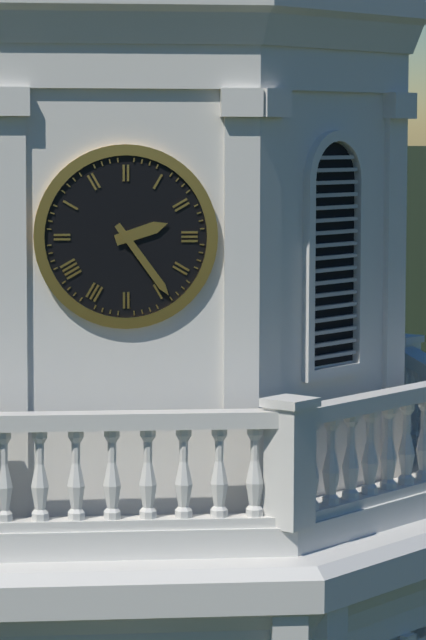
**2:24**
